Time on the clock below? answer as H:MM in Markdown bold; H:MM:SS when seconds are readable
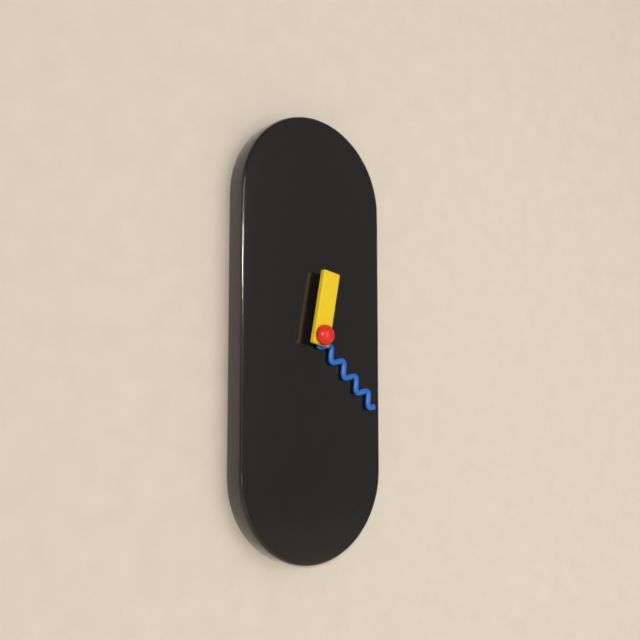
**12:22**
